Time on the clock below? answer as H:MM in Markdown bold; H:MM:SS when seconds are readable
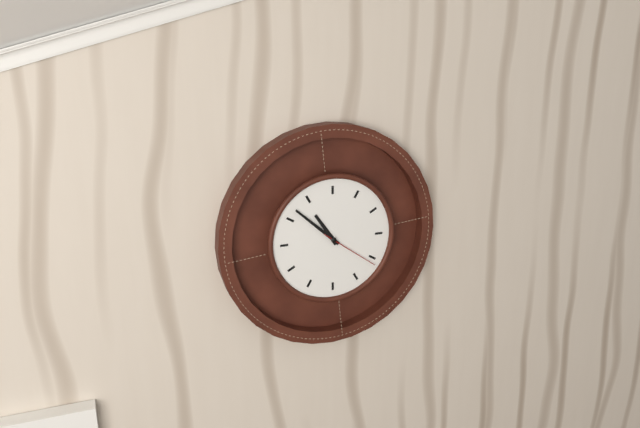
**10:52:21**
